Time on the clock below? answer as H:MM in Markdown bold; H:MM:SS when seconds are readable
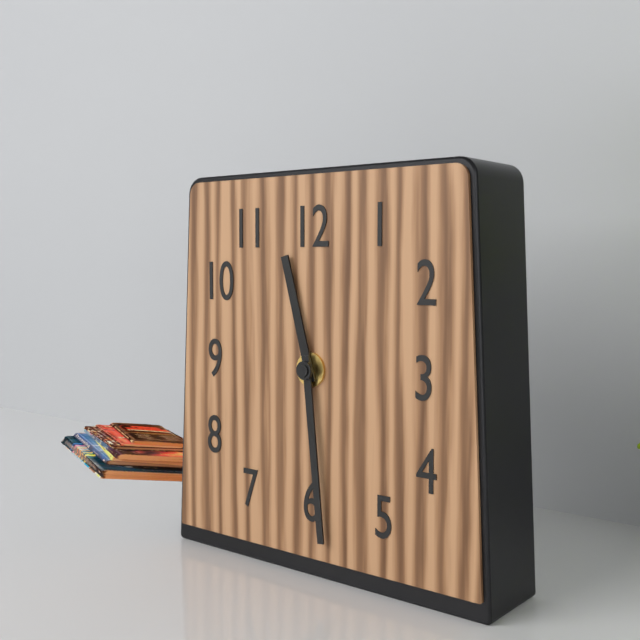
**11:29**
